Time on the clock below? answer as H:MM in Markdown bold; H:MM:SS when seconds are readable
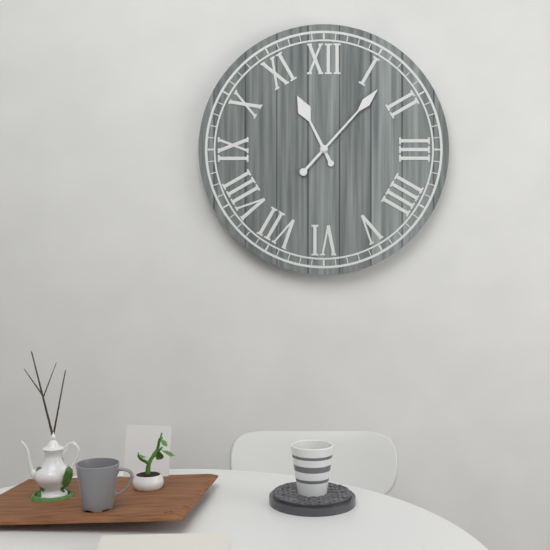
**11:07**
